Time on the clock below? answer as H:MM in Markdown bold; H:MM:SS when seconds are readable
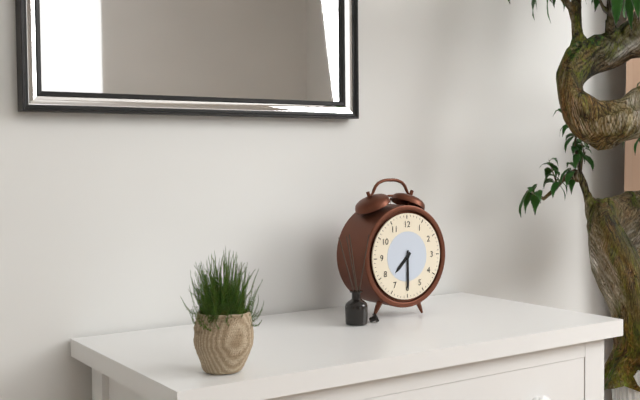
**7:30**
